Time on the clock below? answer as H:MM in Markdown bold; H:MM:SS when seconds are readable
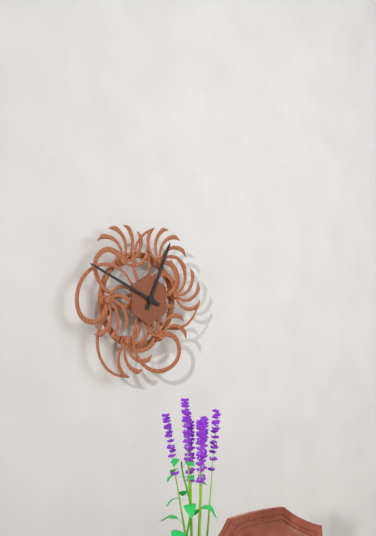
**12:49**
